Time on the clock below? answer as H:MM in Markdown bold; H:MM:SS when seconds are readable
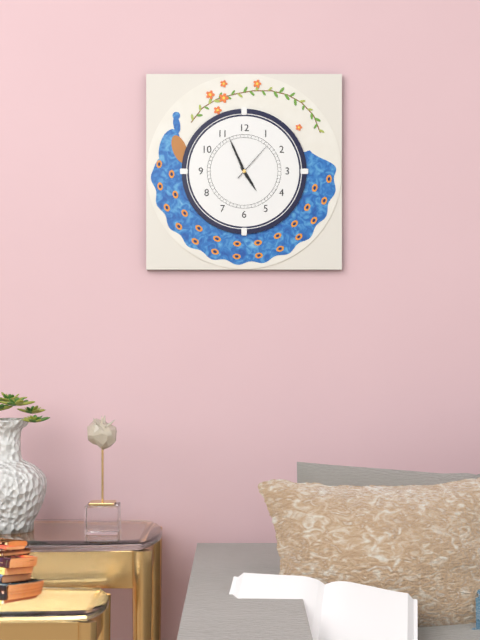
**4:56**
